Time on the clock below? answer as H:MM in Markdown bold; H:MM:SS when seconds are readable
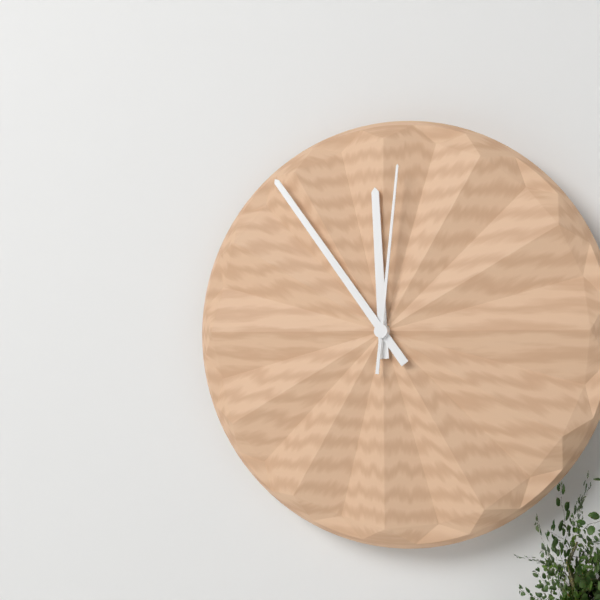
**11:54:01**
